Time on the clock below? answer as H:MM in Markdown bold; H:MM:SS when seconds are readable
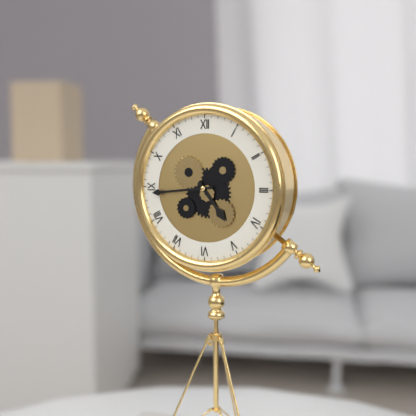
**4:44**
